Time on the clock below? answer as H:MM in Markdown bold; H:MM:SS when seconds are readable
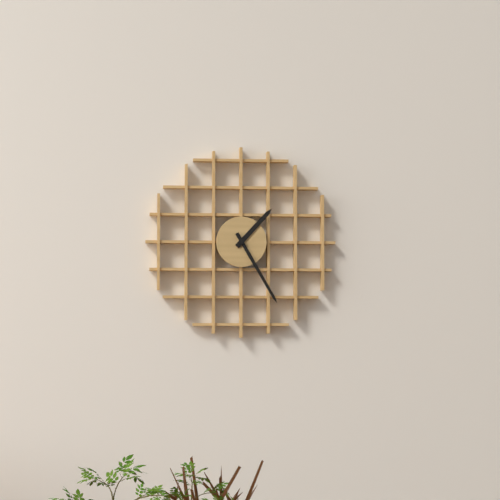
**1:25**
